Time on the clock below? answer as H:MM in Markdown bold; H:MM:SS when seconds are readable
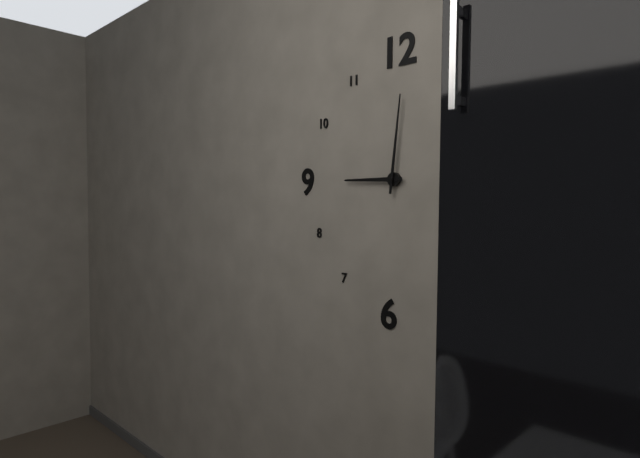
**9:01**
